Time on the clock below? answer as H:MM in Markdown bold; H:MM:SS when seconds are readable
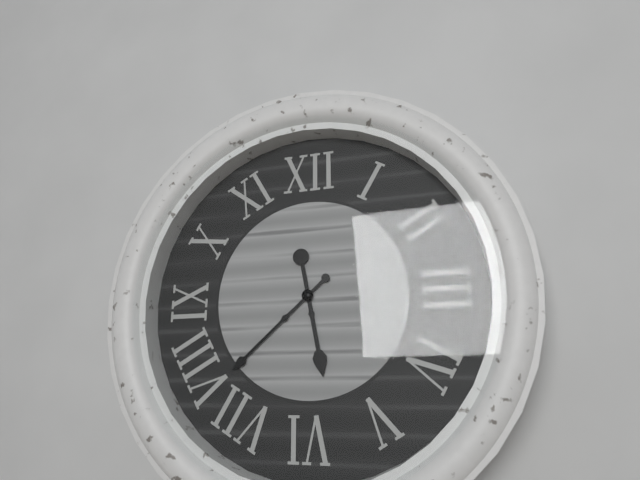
**5:38**
